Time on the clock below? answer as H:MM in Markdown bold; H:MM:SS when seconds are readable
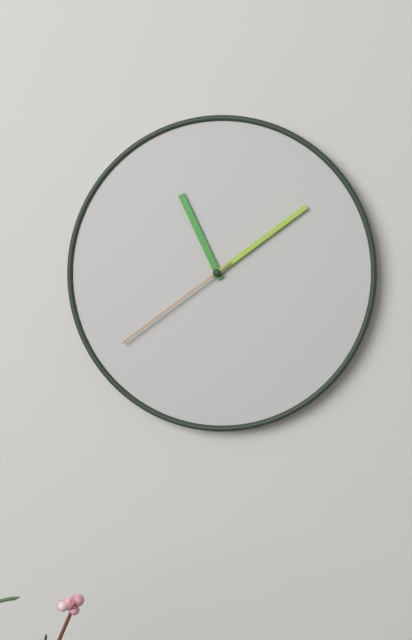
**11:09:39**
